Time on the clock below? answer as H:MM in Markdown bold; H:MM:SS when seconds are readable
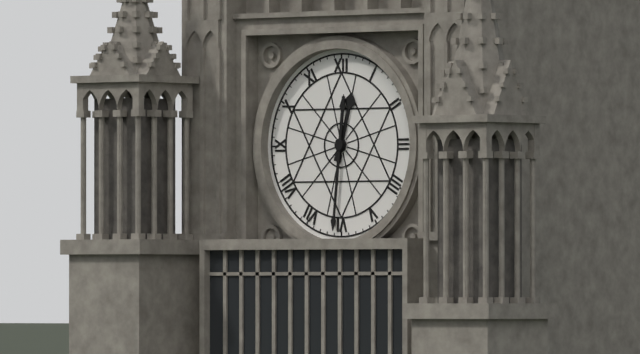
**12:31**
